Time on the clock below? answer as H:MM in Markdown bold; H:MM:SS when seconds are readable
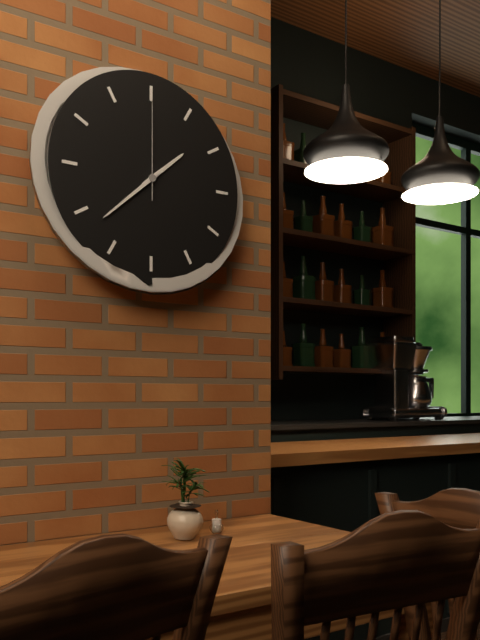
**1:38:00**
